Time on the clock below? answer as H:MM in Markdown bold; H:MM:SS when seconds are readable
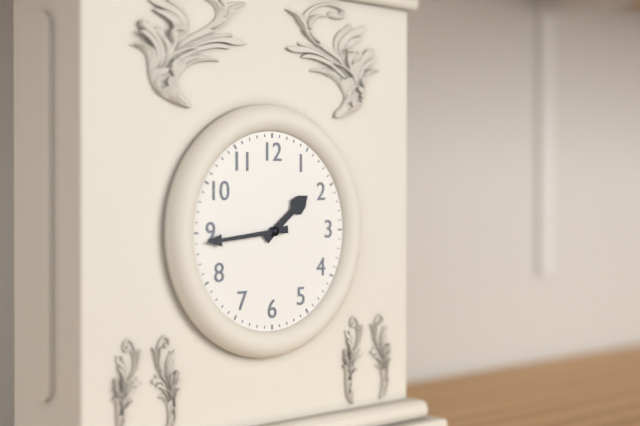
**1:44**
